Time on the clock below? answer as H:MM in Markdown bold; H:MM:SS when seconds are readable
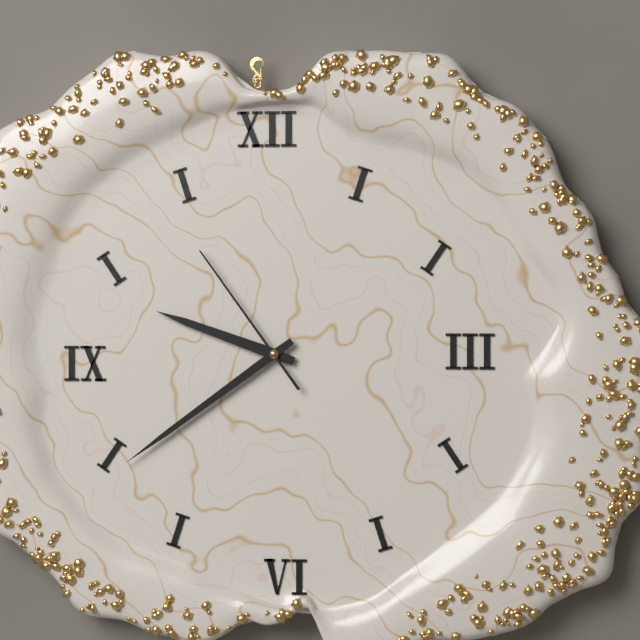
**9:39:54**
